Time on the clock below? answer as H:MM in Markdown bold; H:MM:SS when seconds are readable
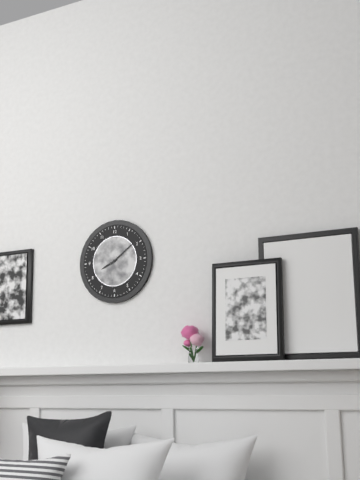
**8:09**
